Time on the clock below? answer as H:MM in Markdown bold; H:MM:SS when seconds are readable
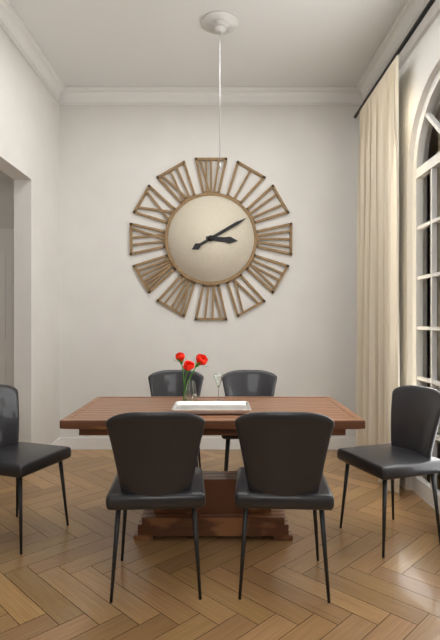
**3:10**
